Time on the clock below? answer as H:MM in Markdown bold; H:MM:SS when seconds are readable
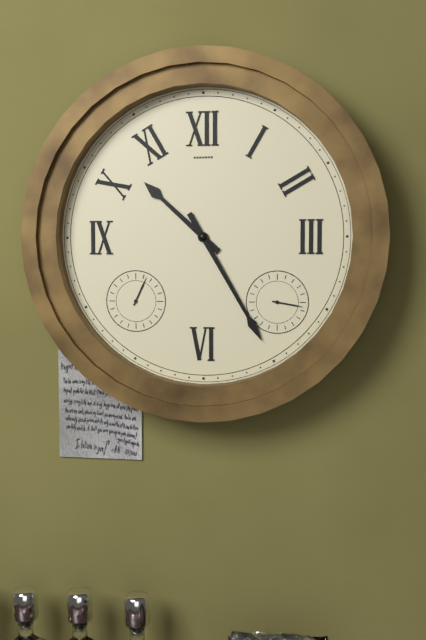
**10:25**
